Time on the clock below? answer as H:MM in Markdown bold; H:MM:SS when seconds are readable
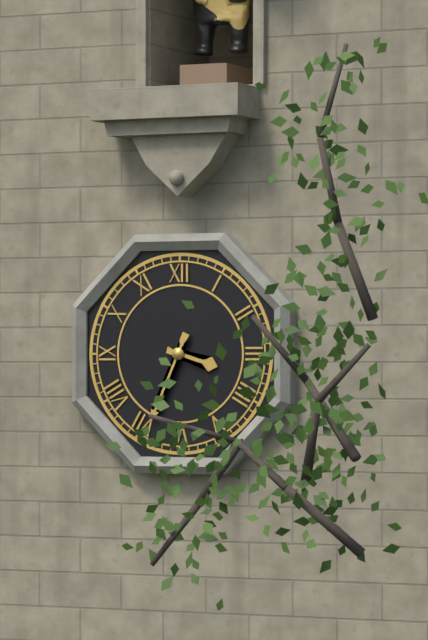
**3:34**
